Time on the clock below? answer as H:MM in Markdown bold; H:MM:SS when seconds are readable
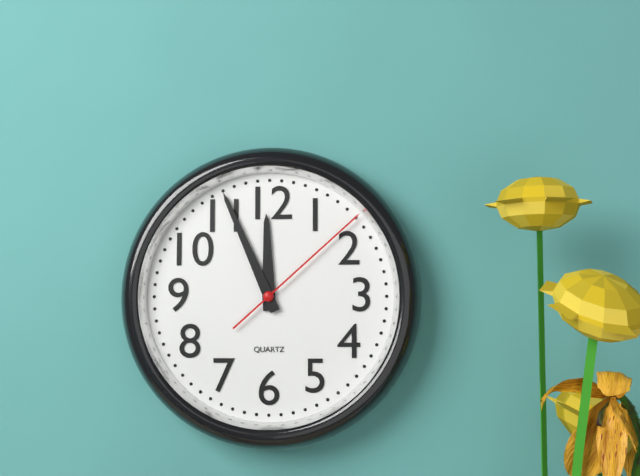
**11:56:08**
